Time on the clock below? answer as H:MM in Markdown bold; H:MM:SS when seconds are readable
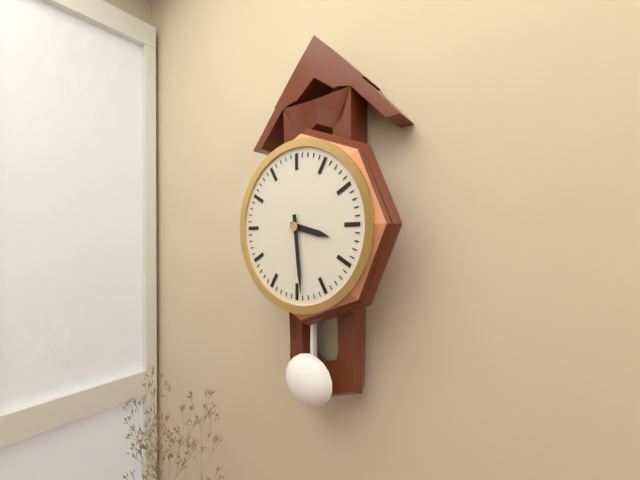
**3:29**
